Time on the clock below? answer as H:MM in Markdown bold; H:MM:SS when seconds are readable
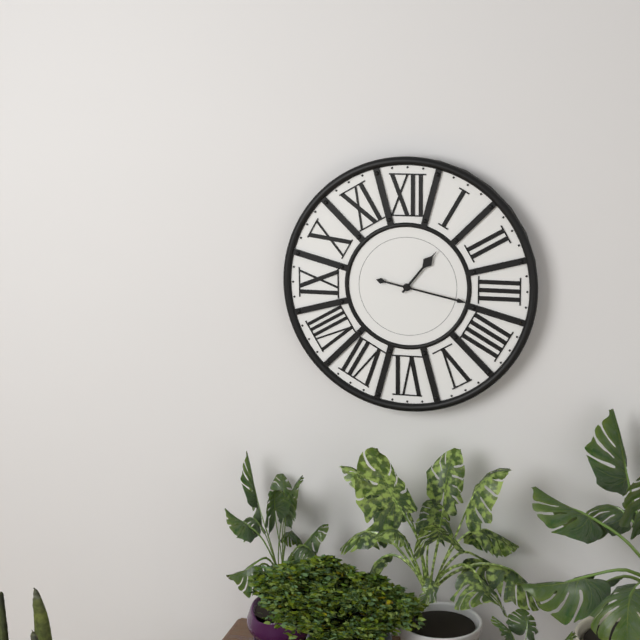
**1:17**
